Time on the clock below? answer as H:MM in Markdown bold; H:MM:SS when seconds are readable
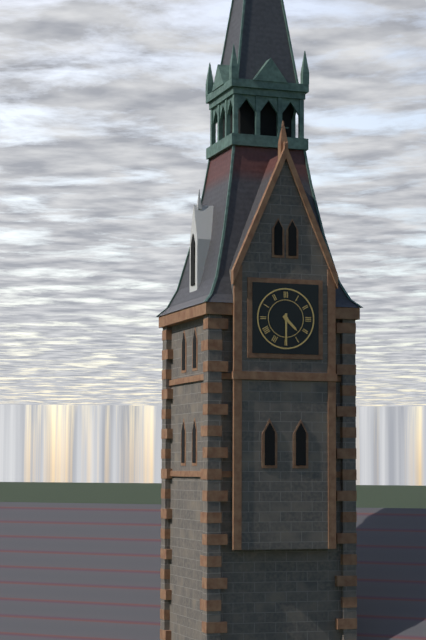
**4:30**
